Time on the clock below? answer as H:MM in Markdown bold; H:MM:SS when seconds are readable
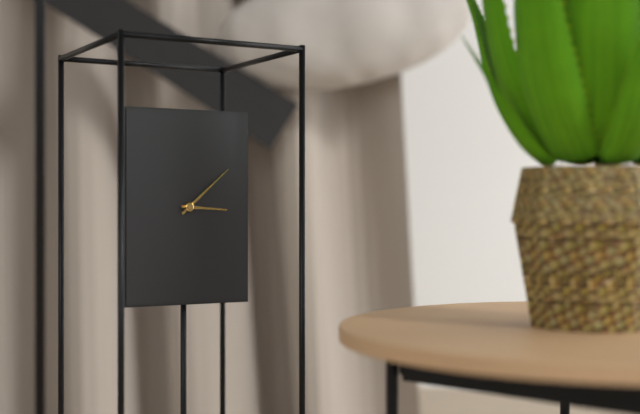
**3:08**
